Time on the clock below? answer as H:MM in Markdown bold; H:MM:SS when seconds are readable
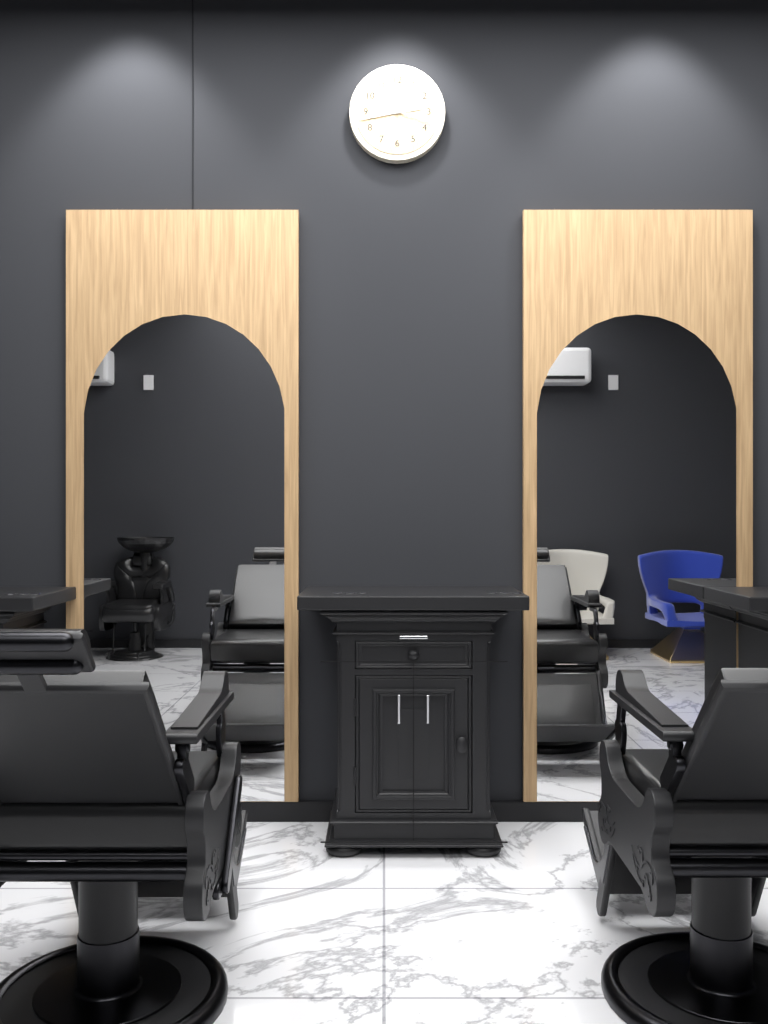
**2:43**
